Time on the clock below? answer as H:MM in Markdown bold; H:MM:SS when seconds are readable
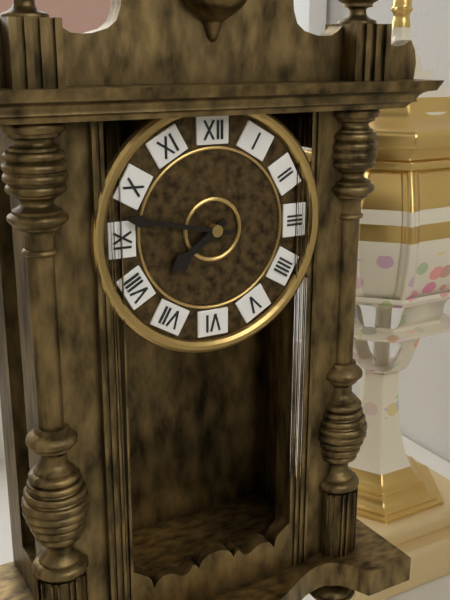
**7:47**
